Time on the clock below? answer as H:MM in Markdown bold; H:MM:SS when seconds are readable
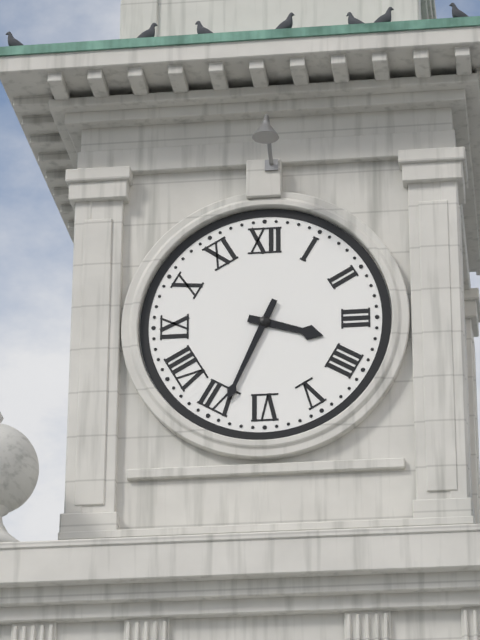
**3:34**
